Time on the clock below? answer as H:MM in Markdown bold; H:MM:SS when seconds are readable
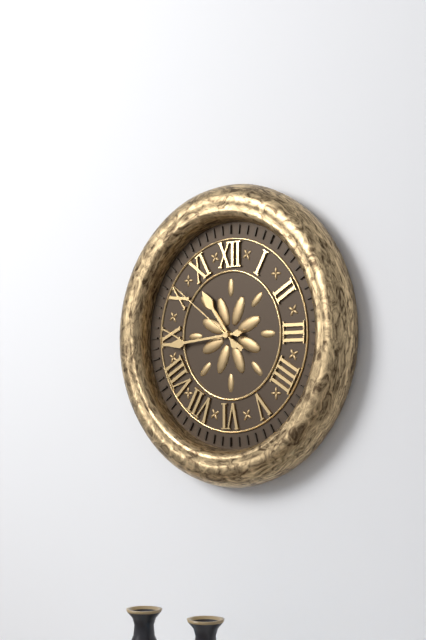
**10:44:51**
